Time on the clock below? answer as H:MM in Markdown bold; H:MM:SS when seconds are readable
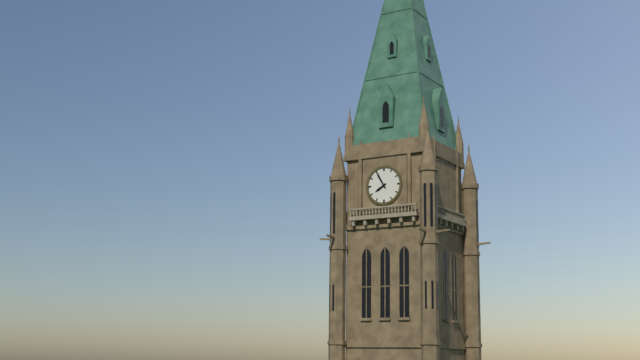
**7:55**
